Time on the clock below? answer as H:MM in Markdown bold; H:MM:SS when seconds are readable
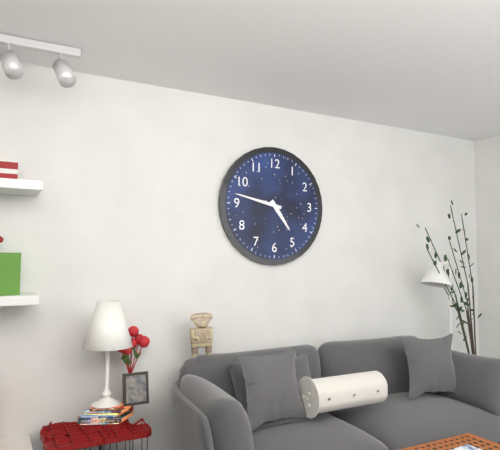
**4:47**
